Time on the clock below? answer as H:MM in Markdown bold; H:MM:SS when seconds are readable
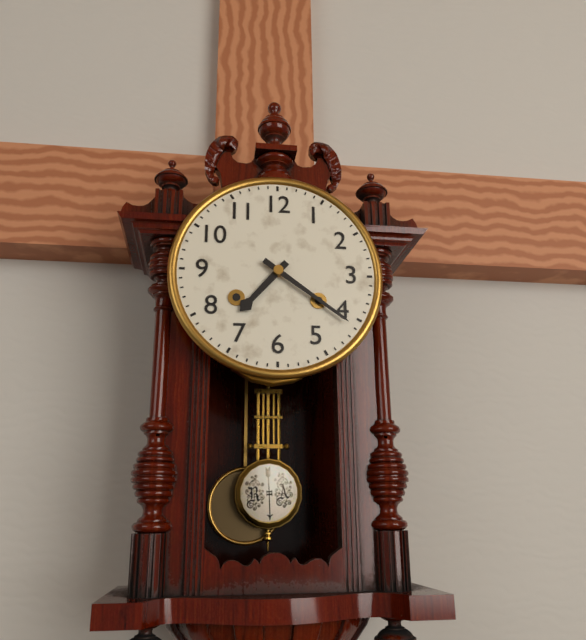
**7:21**
